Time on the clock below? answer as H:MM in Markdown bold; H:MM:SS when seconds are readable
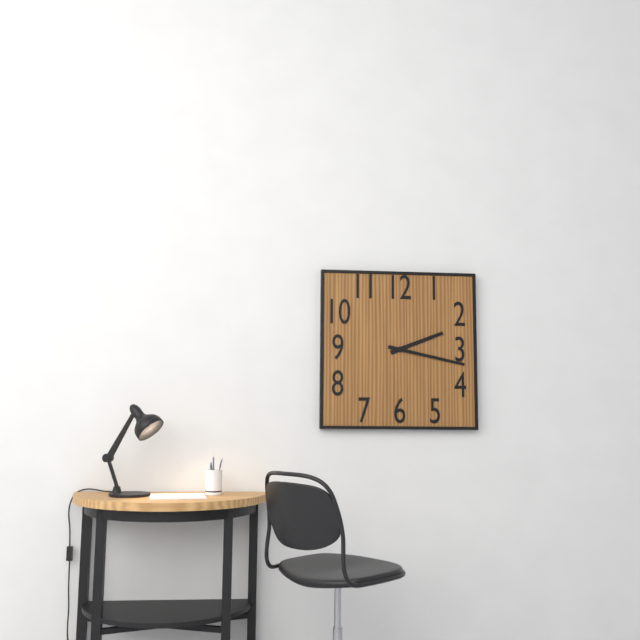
**2:17**
